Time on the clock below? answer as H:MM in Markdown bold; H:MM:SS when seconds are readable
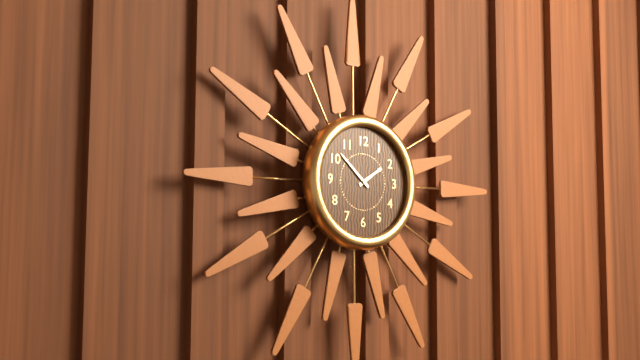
**1:52**
